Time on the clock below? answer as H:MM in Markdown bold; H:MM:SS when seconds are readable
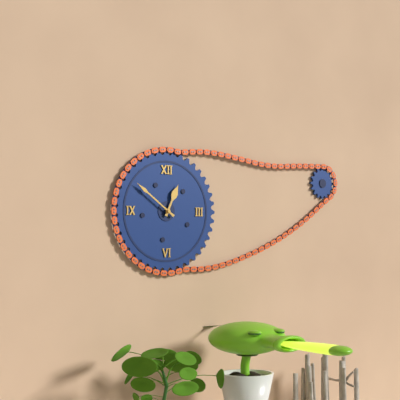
**12:51**
